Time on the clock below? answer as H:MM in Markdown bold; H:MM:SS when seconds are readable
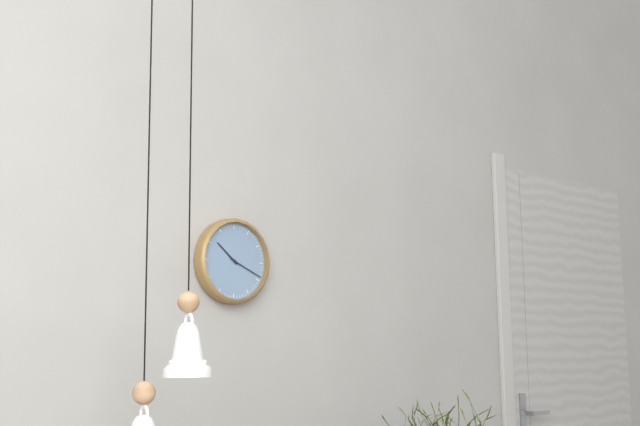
**10:19**
